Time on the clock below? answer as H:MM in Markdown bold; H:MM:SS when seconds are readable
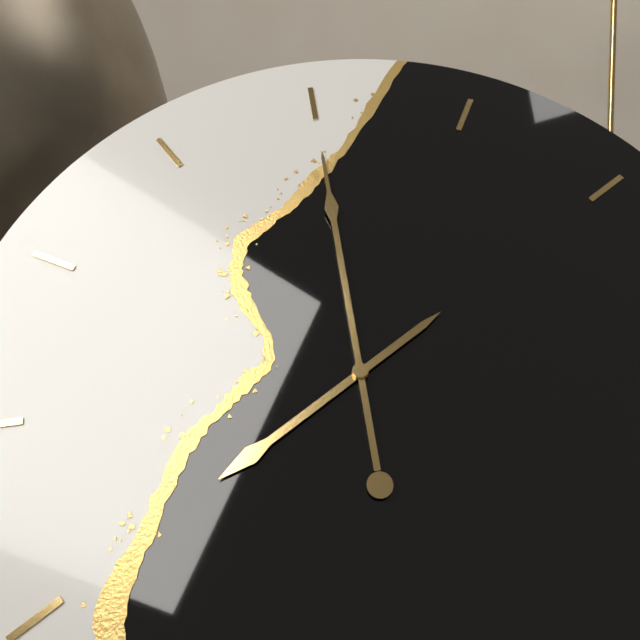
**8:00**
